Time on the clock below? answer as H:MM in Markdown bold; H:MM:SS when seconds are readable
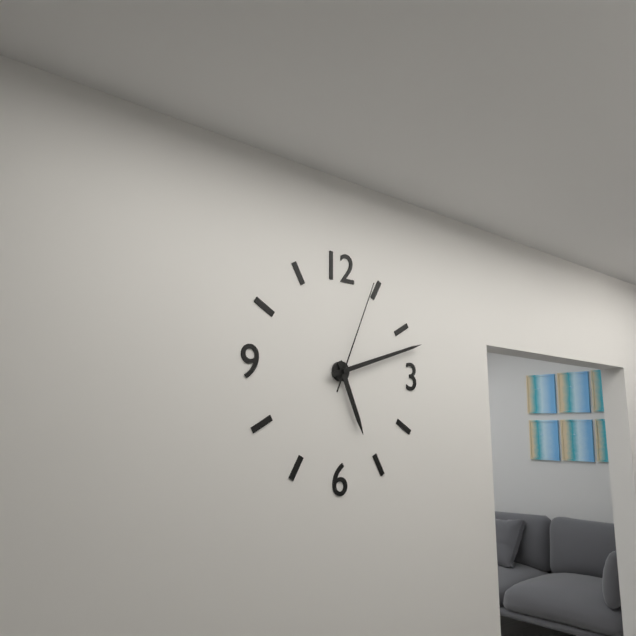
**5:12:04**
